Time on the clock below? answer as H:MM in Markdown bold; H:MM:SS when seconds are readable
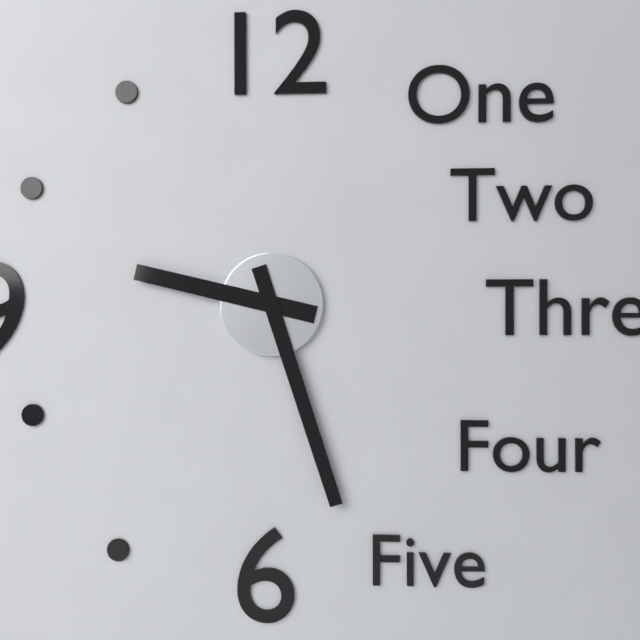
**9:27**
